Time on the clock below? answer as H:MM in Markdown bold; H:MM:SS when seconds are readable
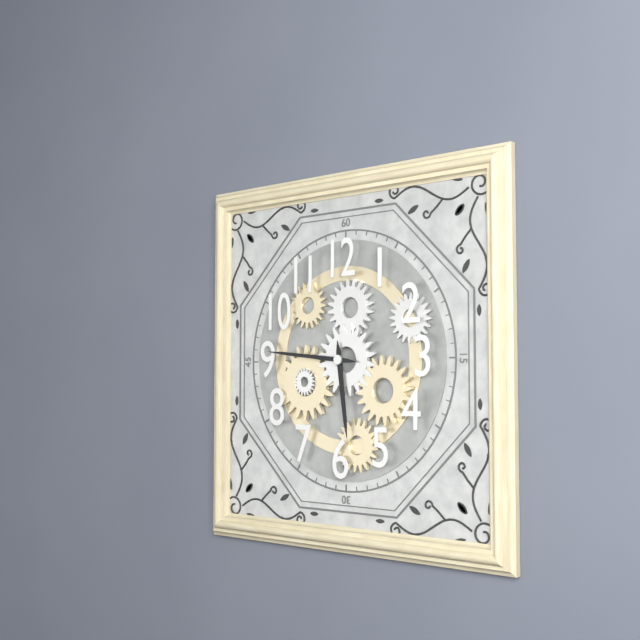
**5:46**
